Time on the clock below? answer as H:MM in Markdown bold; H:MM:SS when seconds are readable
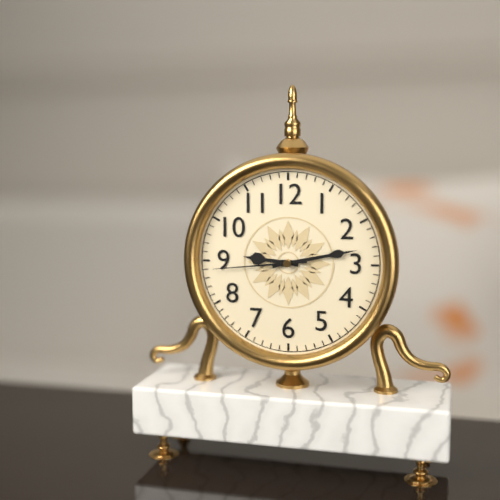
**9:13:44**
